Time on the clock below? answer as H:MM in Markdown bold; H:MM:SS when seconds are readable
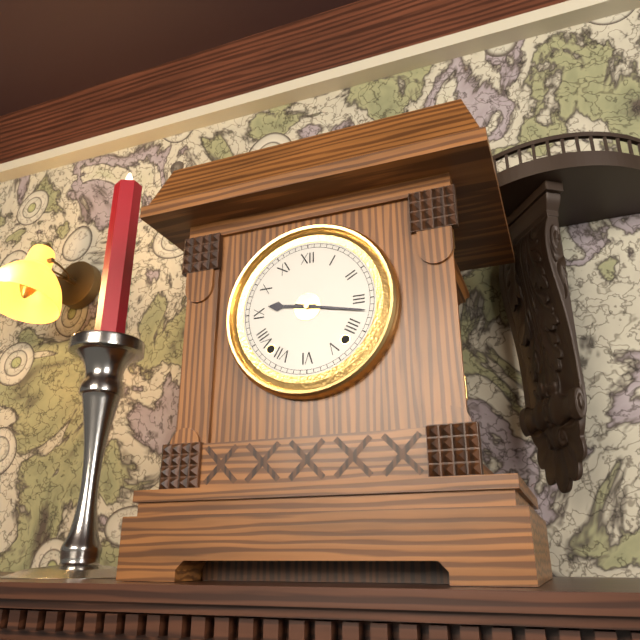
**9:17**
